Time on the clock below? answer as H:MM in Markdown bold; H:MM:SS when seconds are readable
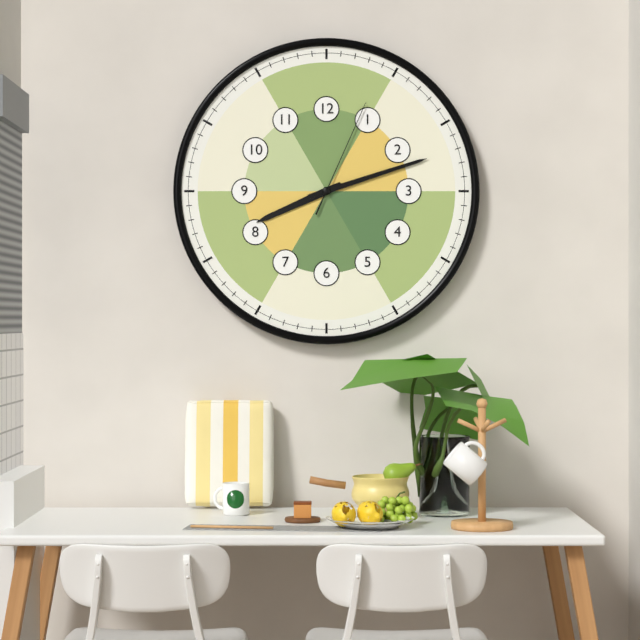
**8:12:04**
